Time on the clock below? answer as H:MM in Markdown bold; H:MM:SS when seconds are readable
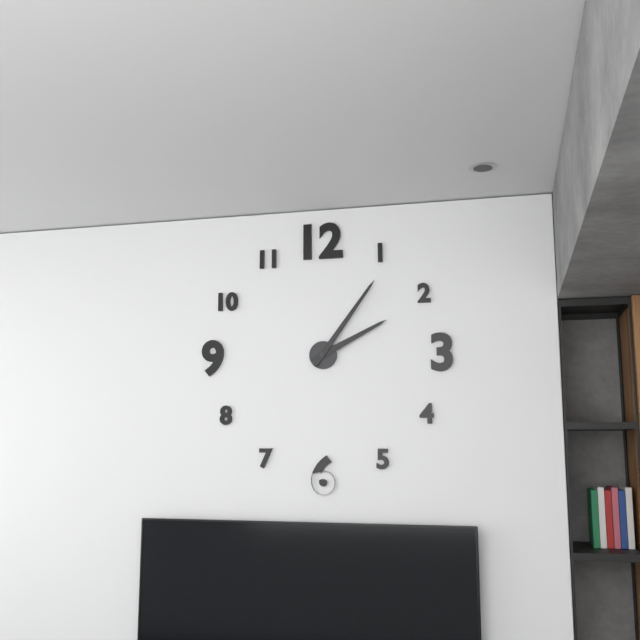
**2:06**
